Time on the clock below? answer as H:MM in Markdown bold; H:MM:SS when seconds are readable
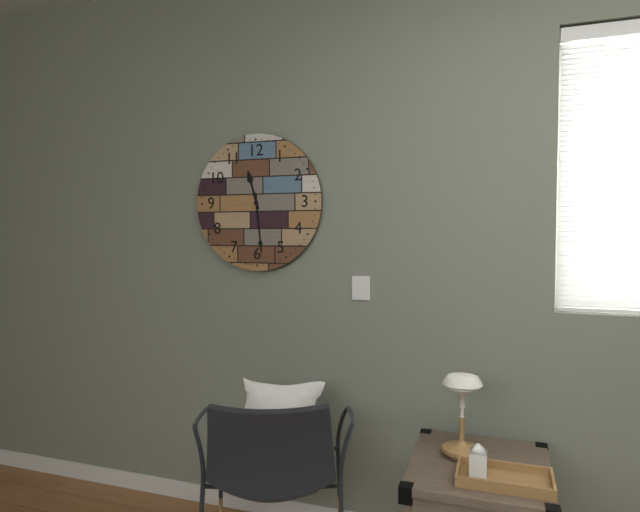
**11:29**
